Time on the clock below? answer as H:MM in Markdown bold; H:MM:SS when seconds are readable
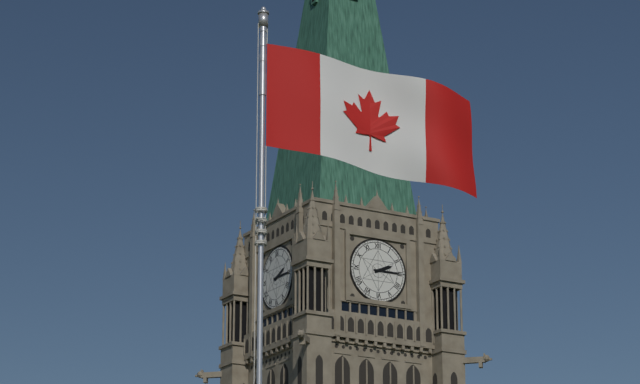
**2:15**
